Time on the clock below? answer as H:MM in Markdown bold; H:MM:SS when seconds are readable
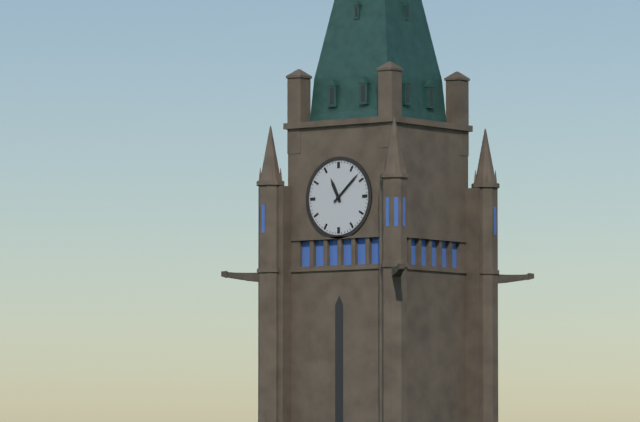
**11:08**
